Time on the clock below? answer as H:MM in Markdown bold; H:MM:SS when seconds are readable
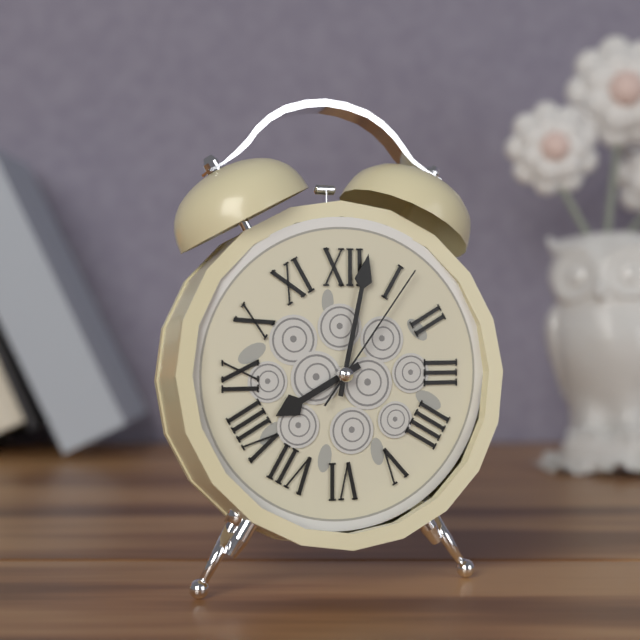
**8:02:06**
